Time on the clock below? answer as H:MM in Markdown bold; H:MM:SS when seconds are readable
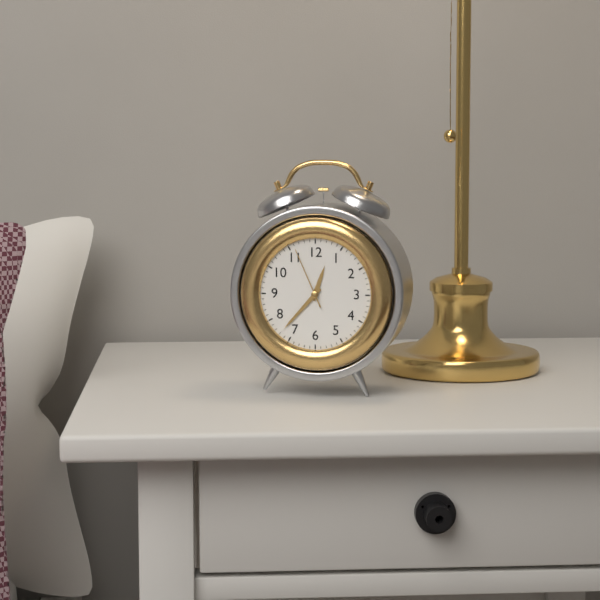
**12:37:56**
